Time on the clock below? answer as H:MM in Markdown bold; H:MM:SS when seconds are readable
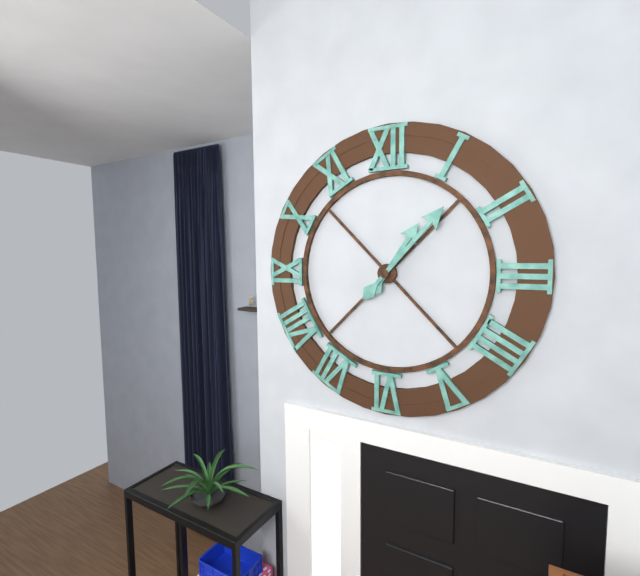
**1:07**
